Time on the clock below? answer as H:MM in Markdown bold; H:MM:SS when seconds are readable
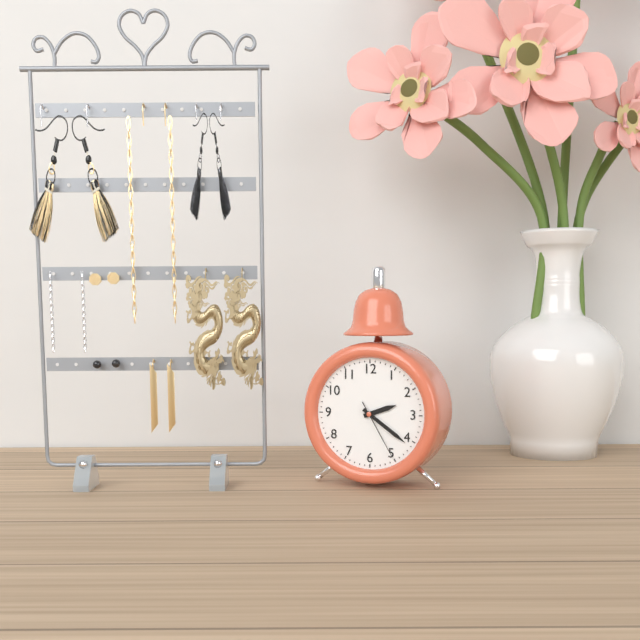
**2:21:25**
